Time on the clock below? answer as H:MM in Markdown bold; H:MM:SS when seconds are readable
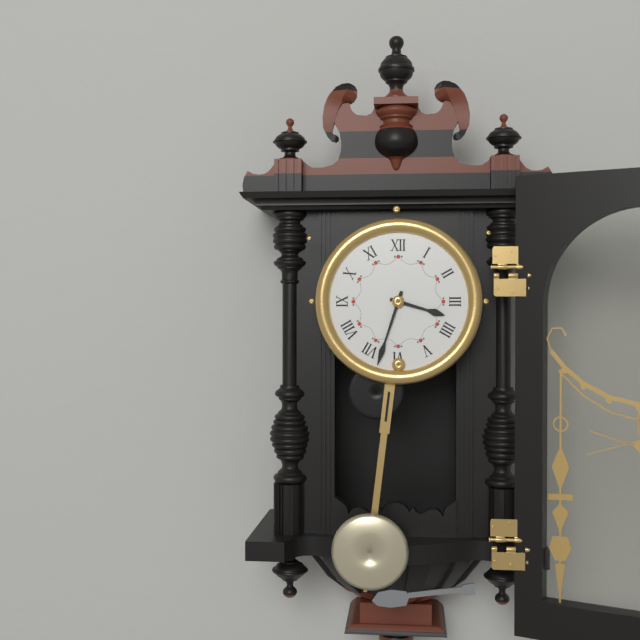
**3:33**
